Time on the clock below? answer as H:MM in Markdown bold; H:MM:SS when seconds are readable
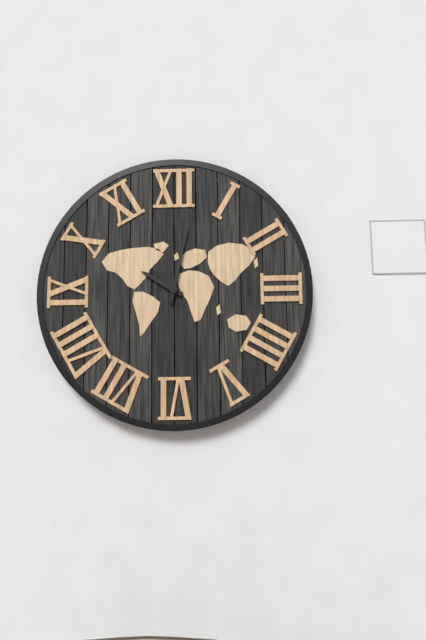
**10:02**
